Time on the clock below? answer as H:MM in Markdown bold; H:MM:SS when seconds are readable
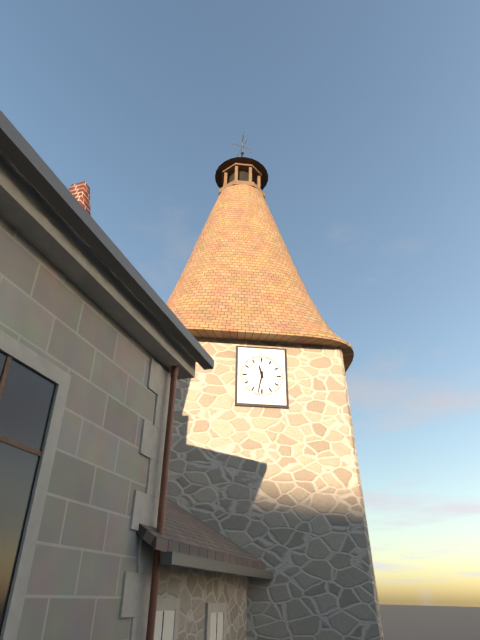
**11:32**
